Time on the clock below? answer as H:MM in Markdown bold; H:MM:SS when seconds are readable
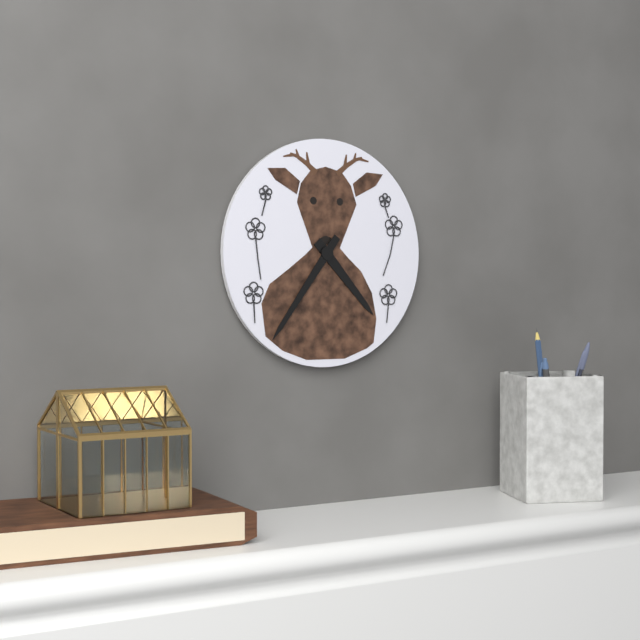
**4:36**
